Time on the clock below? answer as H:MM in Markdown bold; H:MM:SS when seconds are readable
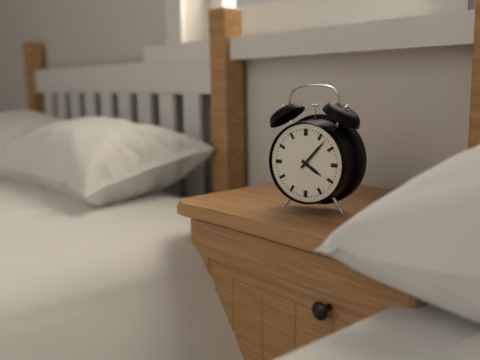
**4:07**
